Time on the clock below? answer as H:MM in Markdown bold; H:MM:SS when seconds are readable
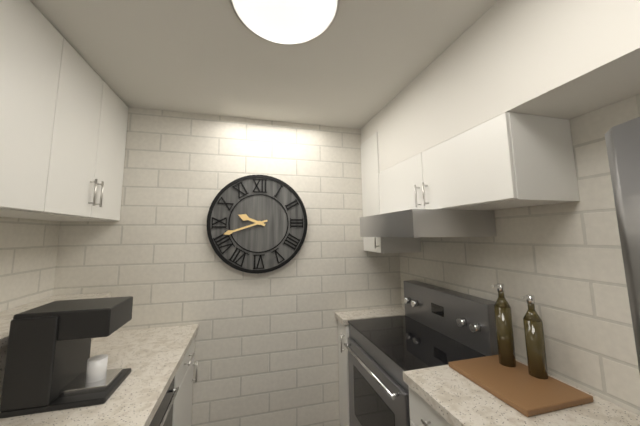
**9:42**
